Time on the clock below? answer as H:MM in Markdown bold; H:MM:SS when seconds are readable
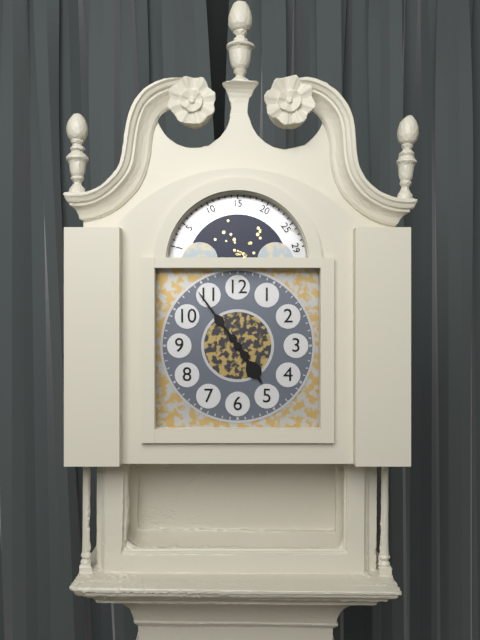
**4:54**
